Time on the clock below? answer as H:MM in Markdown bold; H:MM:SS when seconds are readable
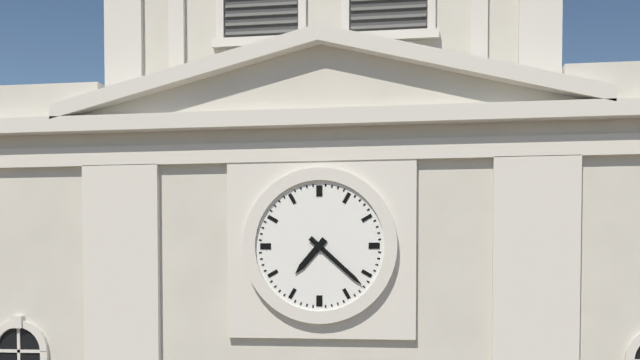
**7:22**
